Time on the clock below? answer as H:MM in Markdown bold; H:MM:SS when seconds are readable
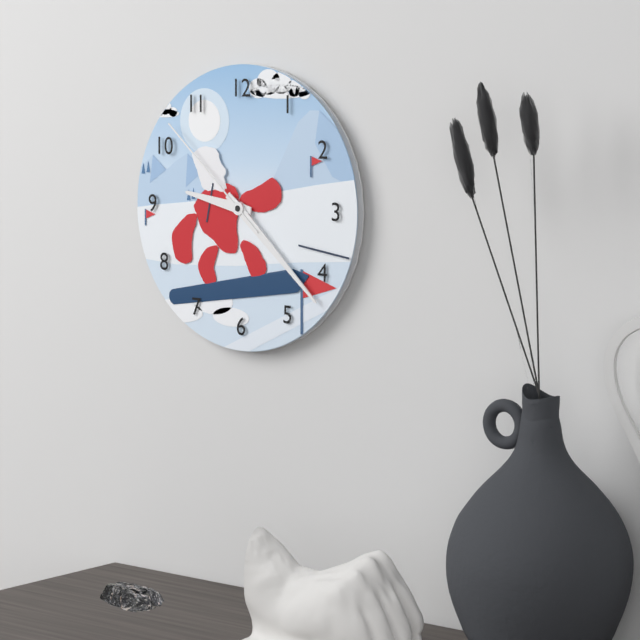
**9:22:52**
